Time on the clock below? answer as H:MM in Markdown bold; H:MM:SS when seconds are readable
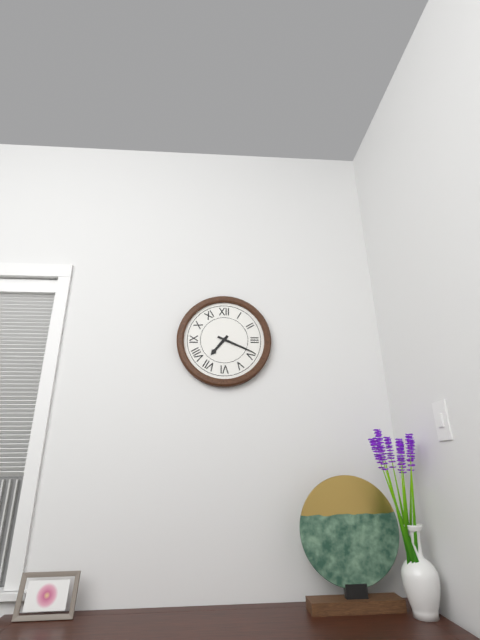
**7:19**
